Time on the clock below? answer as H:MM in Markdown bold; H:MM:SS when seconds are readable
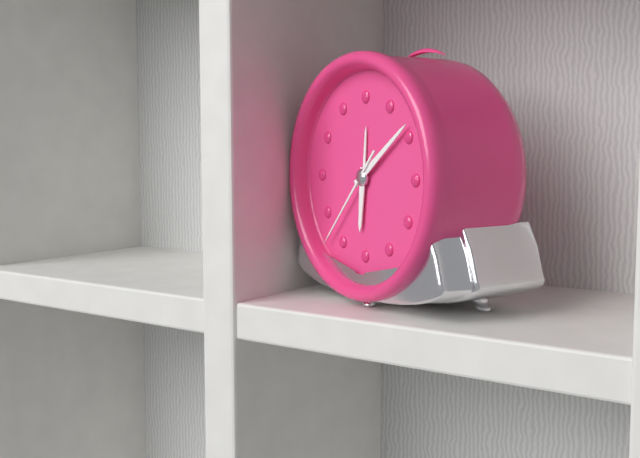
**6:09:37**
